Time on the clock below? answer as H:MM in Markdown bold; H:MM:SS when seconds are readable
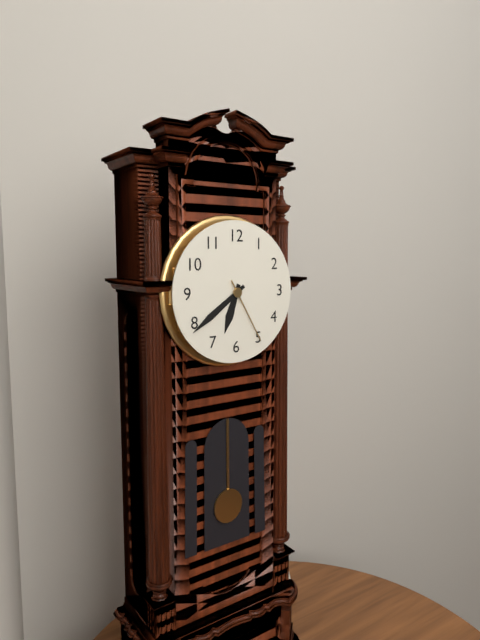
**6:39:25**
